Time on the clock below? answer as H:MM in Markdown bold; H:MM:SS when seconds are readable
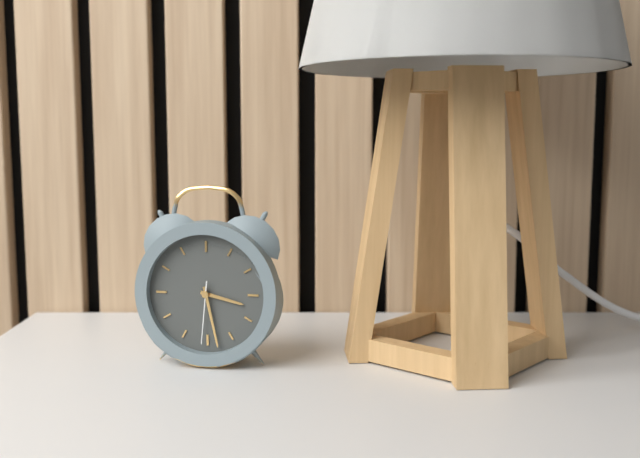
**3:28:31**
